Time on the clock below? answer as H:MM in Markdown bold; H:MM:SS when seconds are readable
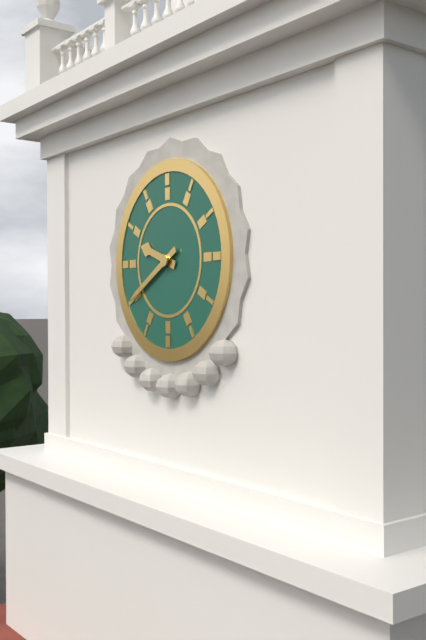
**9:40**
